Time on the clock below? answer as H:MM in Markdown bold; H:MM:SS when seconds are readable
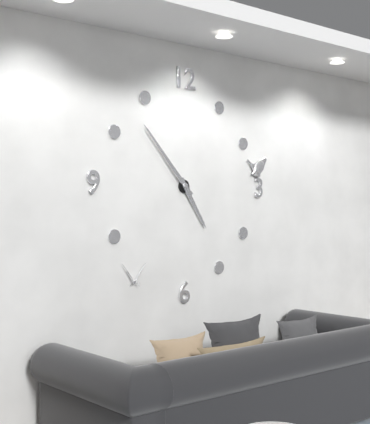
**4:53**
